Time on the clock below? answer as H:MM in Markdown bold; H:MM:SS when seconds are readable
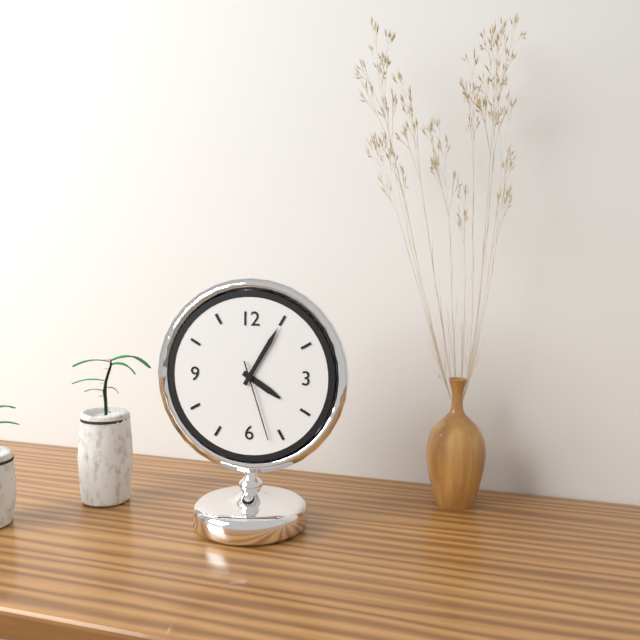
**4:05:27**
